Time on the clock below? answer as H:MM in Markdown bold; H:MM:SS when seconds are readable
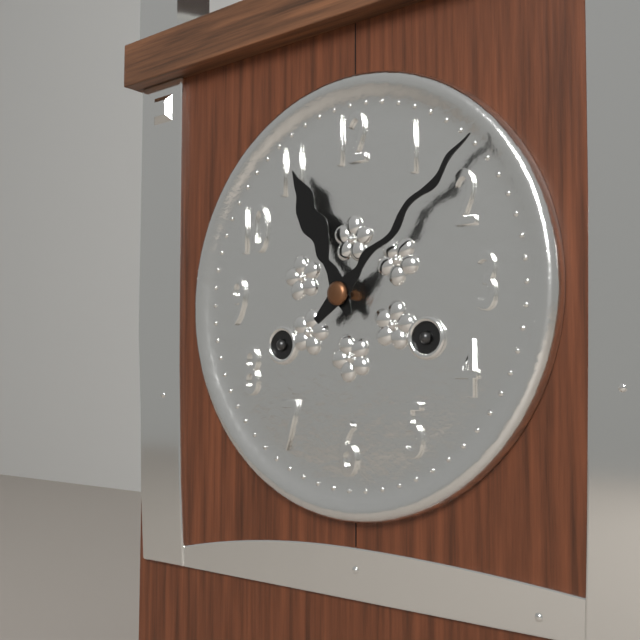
**11:08**
